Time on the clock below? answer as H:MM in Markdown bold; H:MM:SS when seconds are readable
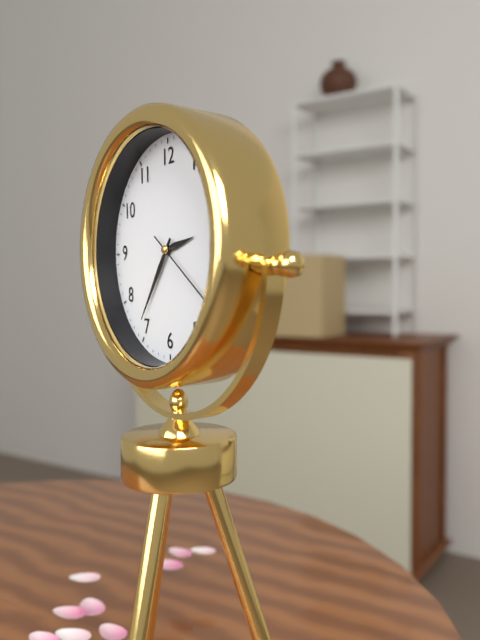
**2:36:21**
